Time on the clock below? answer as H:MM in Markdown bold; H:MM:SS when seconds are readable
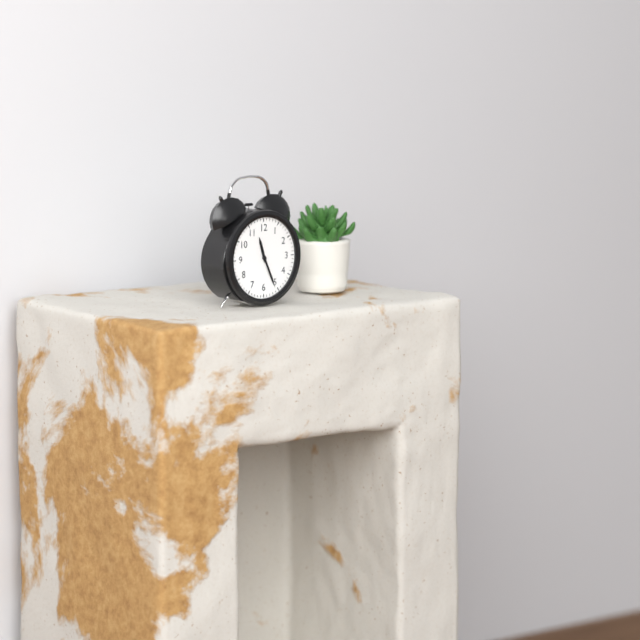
**11:26**
